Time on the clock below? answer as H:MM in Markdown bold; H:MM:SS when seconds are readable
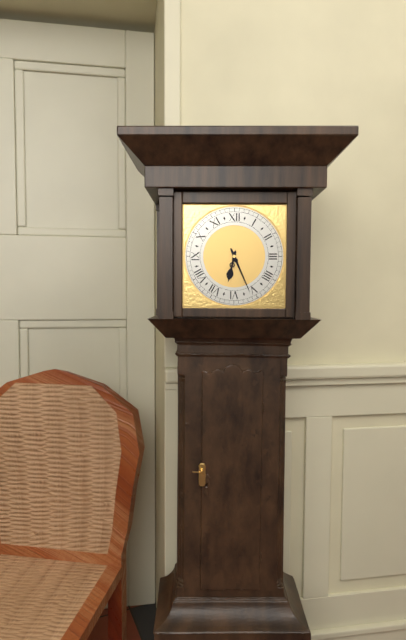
**6:26**
